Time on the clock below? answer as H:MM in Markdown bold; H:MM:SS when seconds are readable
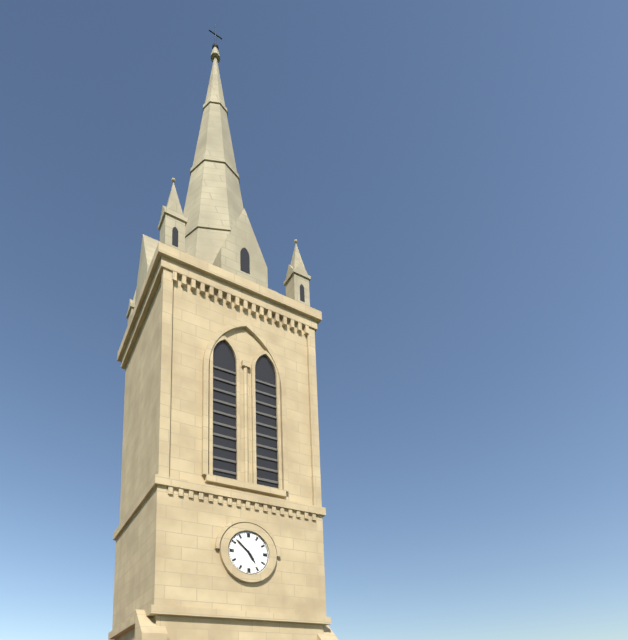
**4:52**
